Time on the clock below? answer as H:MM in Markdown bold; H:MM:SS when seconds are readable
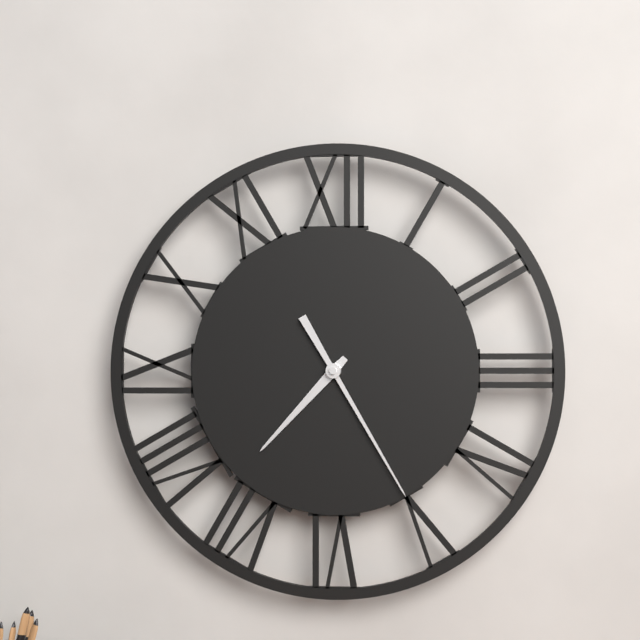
**7:25**
